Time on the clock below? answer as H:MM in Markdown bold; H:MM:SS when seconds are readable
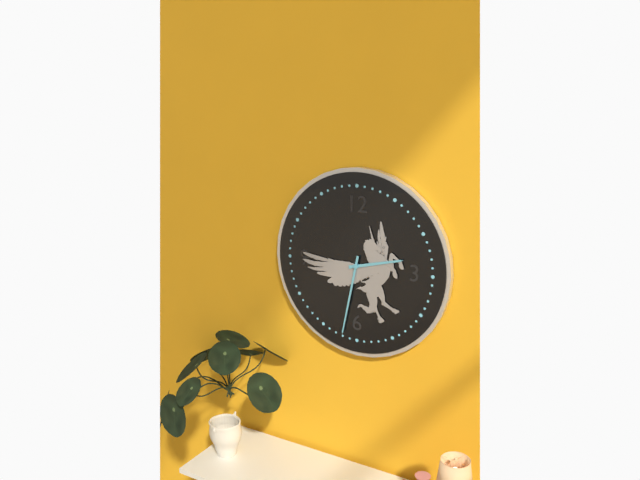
**2:32**
